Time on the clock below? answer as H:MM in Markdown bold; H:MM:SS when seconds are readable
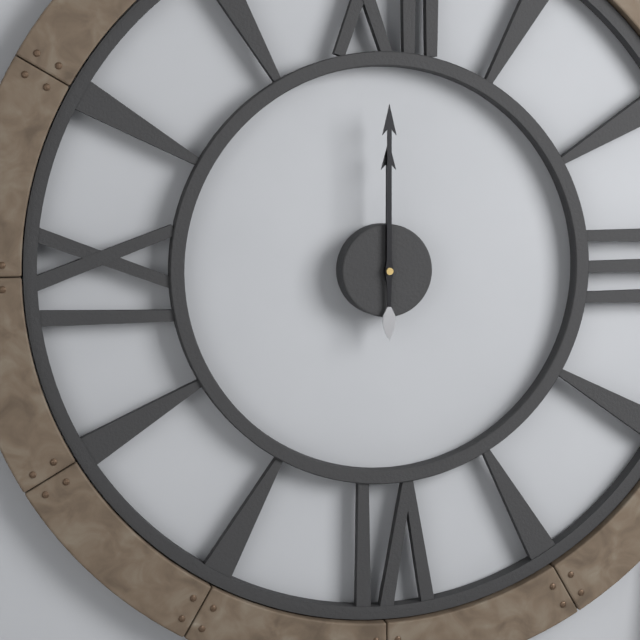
**12:00**
